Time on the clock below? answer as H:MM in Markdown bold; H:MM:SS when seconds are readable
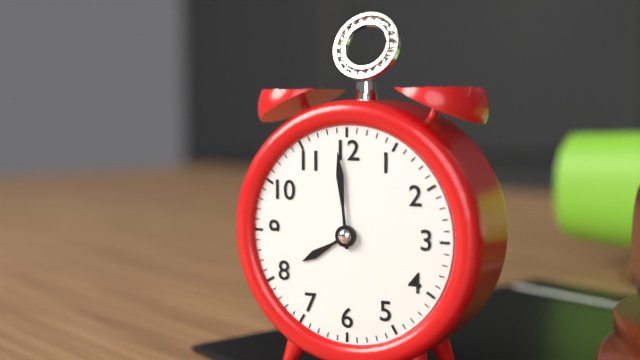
**7:59**
